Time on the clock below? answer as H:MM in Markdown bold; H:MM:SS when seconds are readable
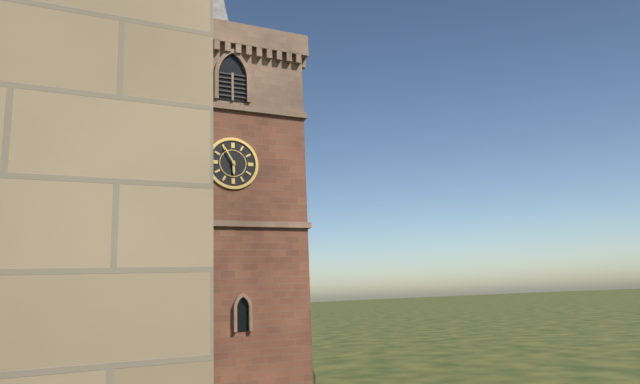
**5:55**
